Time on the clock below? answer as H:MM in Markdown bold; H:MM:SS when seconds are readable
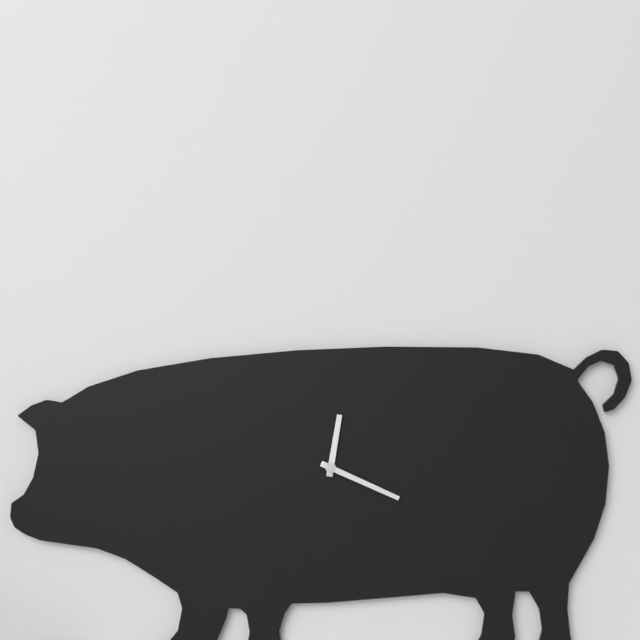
**12:19**
